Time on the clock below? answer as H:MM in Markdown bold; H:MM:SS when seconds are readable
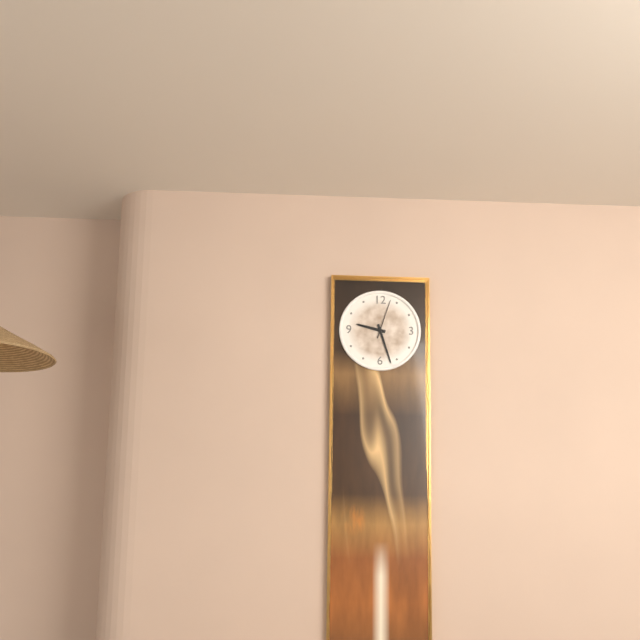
**9:27**
